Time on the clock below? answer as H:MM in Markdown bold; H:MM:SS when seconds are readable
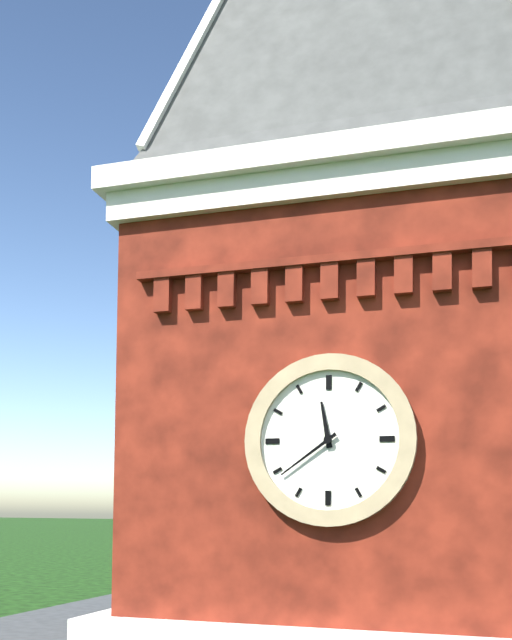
**11:39**
